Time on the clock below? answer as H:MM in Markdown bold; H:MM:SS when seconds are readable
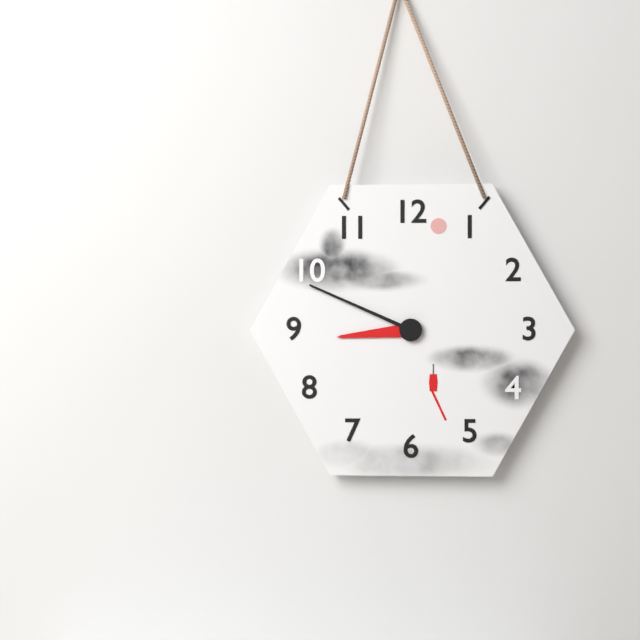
**8:49**
